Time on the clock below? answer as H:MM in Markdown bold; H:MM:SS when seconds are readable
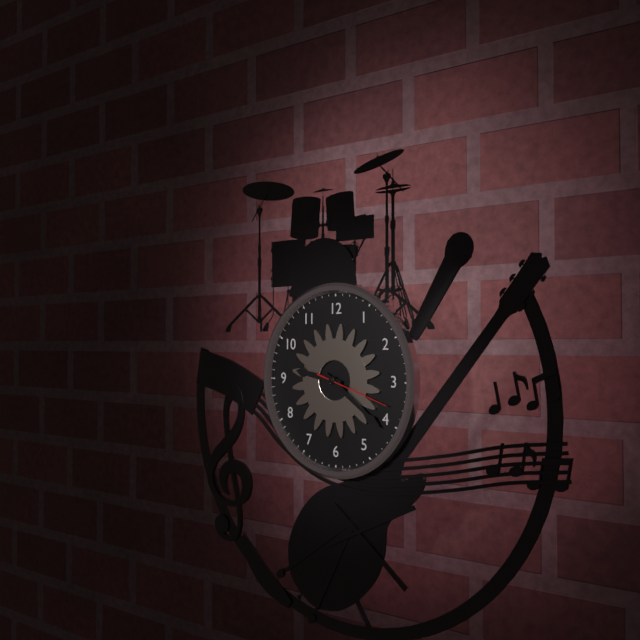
**9:21:18**
